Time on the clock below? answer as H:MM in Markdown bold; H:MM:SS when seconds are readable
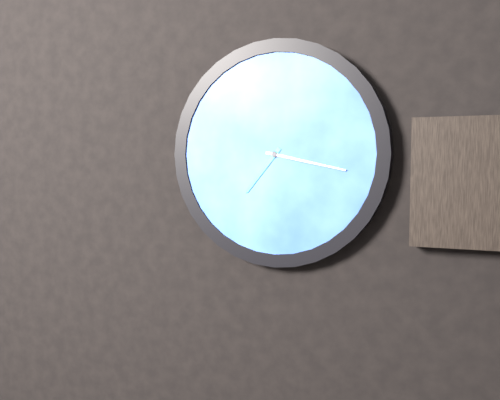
**7:17**
